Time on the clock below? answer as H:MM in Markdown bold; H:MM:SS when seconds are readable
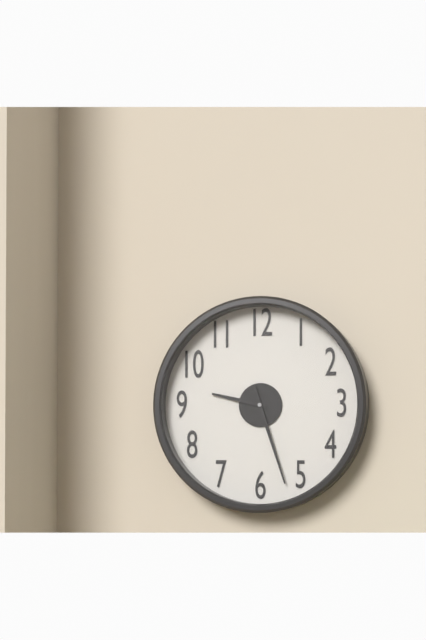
**9:27**
